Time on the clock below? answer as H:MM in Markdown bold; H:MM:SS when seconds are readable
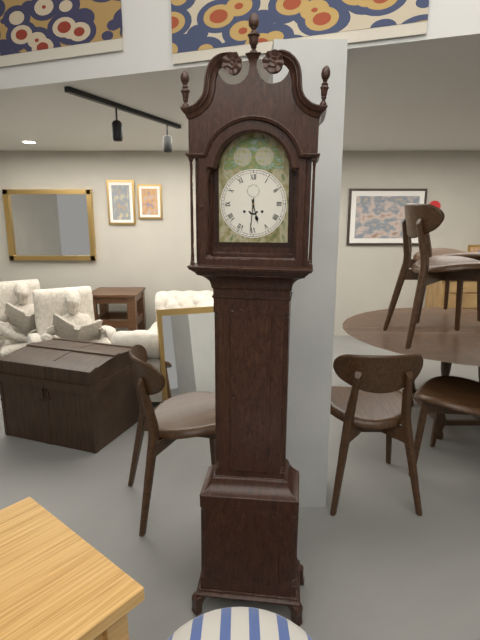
**5:31**
